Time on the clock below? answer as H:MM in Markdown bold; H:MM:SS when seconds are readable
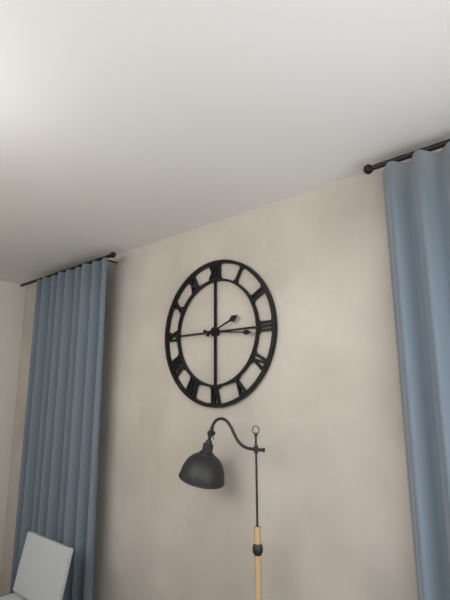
**2:16**
